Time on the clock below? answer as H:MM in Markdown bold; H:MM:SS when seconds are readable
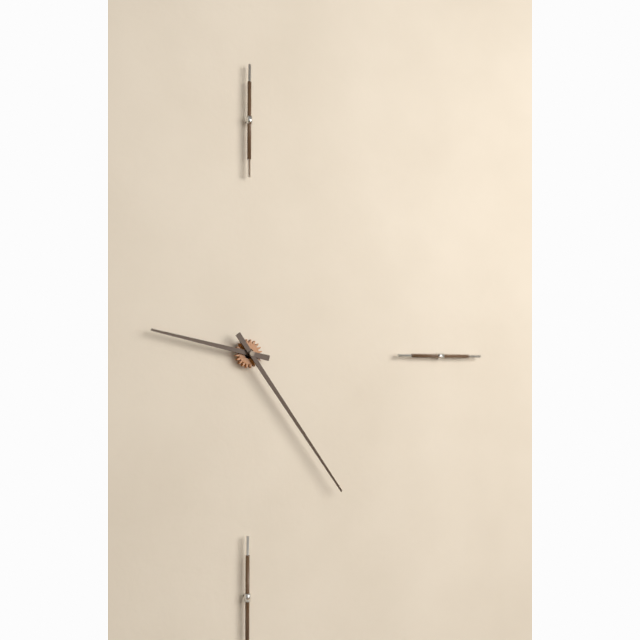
**9:24**
